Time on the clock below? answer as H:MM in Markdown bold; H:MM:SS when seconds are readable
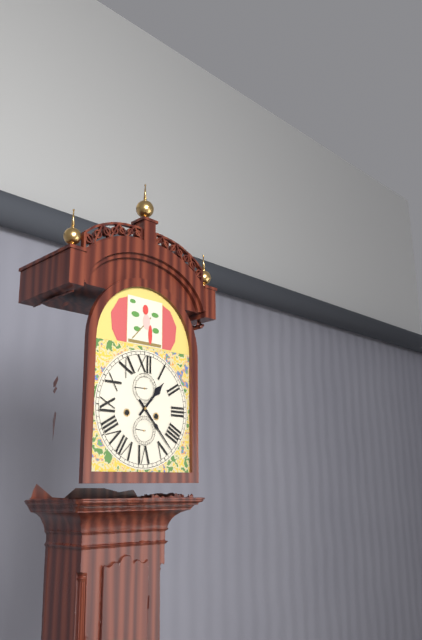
**1:23**
